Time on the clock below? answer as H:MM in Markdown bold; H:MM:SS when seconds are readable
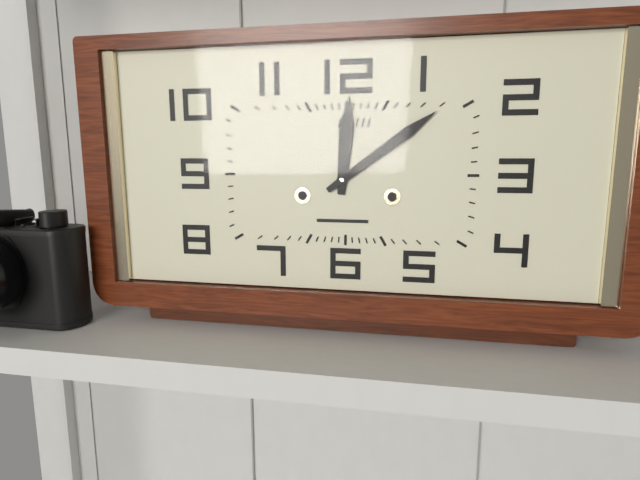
**12:09**
